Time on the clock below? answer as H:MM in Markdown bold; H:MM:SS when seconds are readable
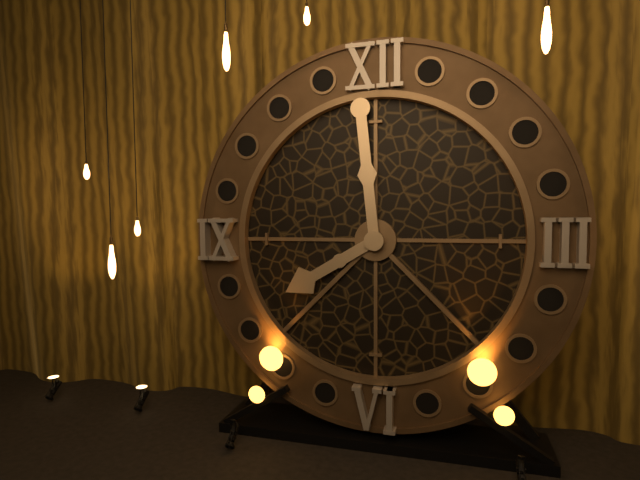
**7:59**
